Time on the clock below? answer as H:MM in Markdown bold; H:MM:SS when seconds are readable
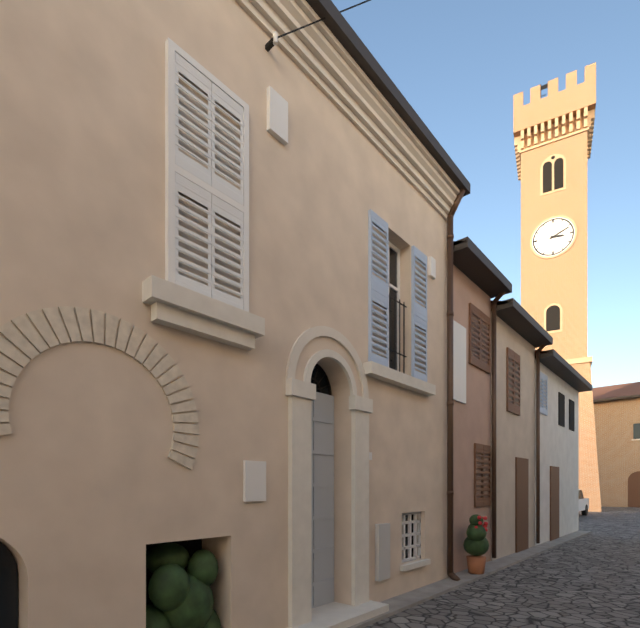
**3:11**
